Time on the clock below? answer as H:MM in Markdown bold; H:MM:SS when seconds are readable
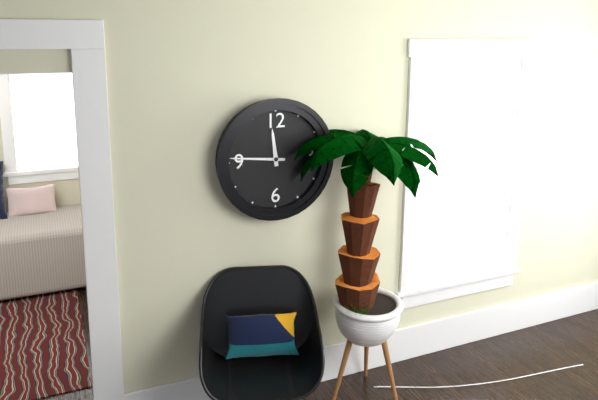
**11:46**
